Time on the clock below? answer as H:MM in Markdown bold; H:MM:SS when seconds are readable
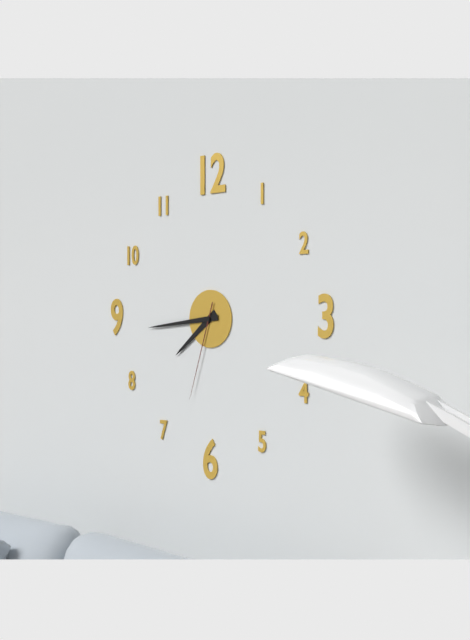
**7:44:33**
